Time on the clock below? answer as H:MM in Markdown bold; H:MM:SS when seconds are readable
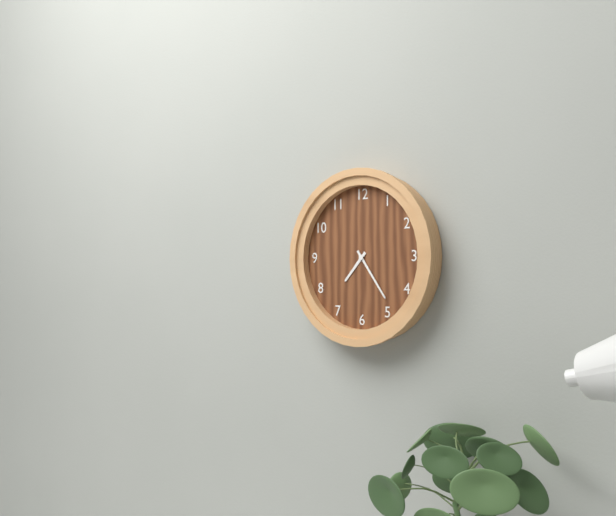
**7:24**
